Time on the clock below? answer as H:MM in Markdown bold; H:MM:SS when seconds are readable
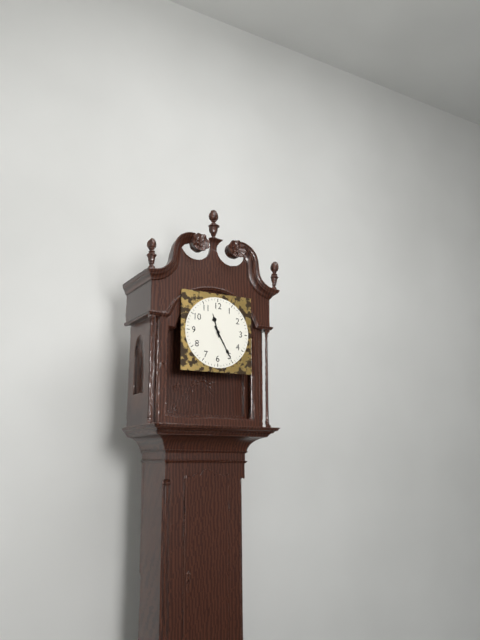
**11:25**
